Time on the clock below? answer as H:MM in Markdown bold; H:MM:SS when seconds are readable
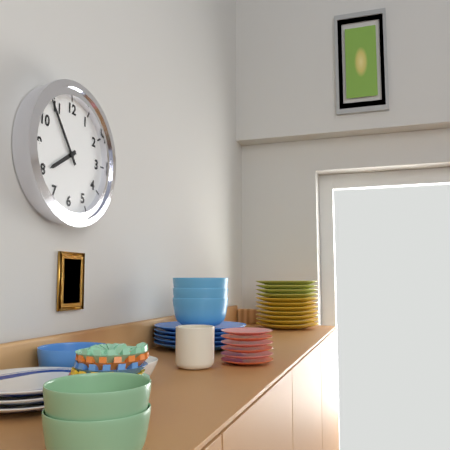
**7:54**
